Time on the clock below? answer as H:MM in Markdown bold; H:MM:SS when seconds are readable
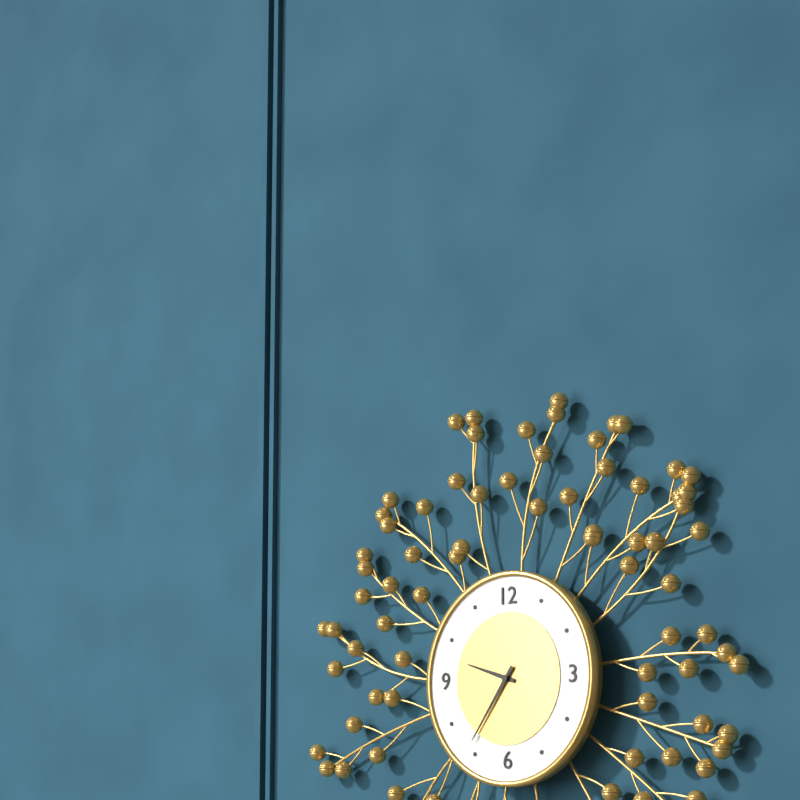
**9:36**
